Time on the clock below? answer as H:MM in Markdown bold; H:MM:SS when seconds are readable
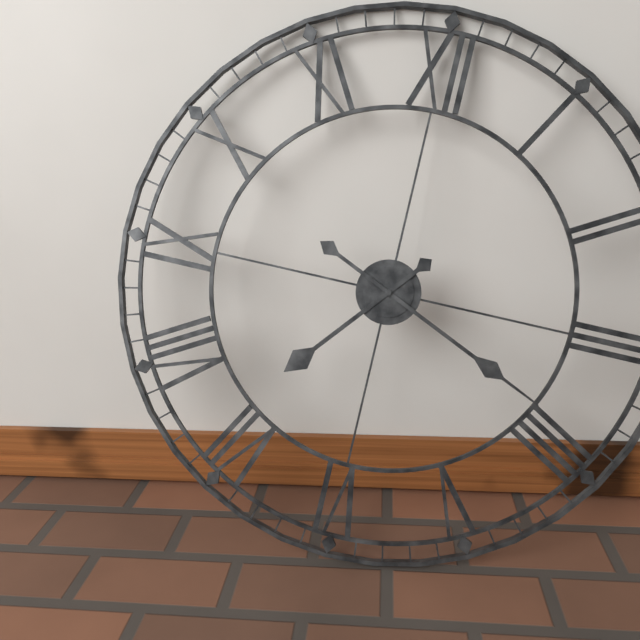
**7:19**
